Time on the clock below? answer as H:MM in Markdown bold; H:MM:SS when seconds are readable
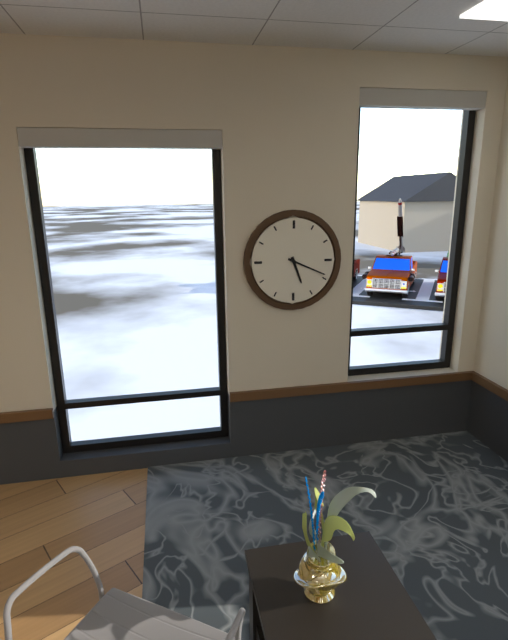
**5:19**
